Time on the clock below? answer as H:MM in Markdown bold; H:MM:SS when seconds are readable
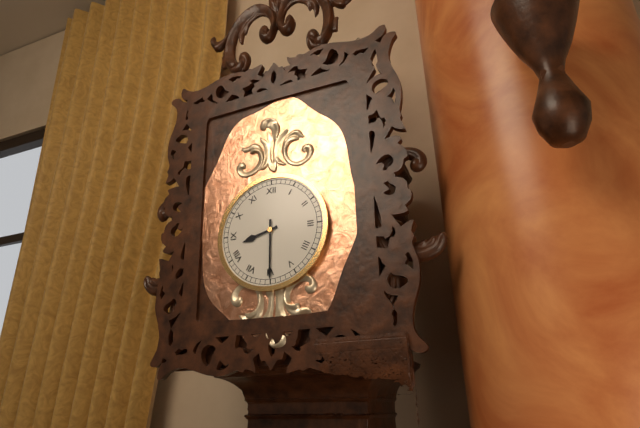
**8:30**
